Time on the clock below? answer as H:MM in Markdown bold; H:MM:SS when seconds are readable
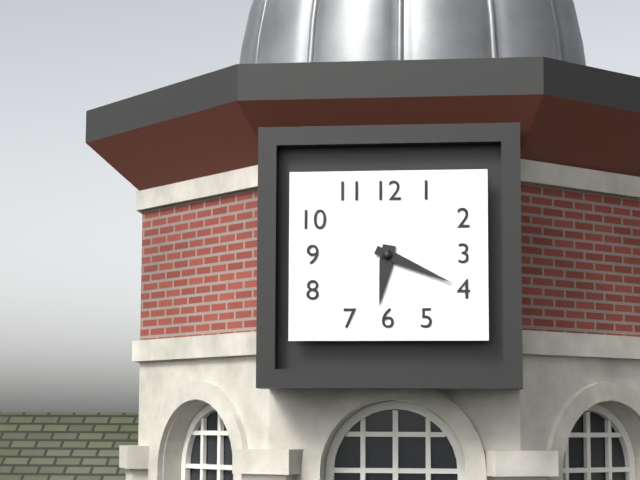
**6:19**
